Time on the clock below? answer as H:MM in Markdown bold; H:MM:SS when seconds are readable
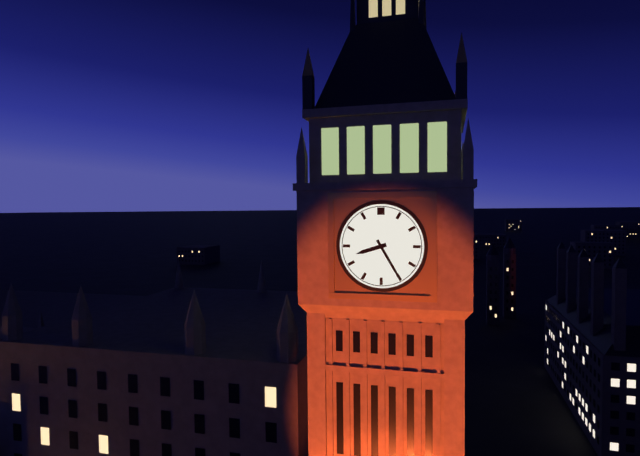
**8:25**
